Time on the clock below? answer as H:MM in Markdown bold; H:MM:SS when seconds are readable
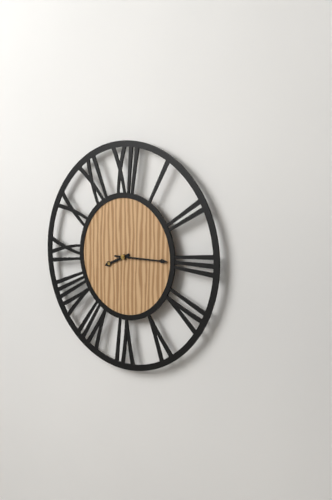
**8:15**
